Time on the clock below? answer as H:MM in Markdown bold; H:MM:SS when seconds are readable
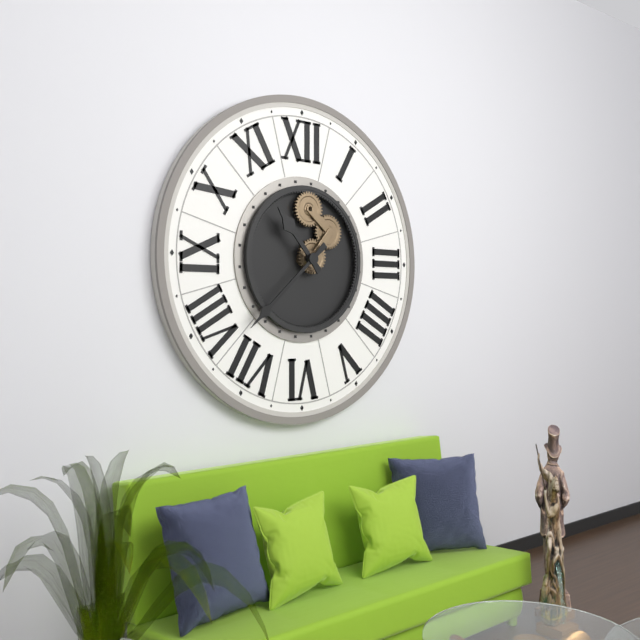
**10:38**
